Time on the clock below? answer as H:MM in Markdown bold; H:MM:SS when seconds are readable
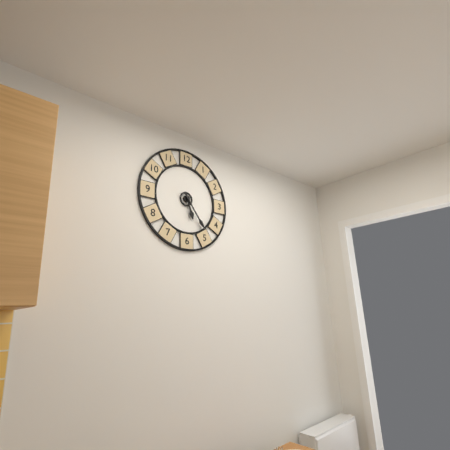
**5:24**
